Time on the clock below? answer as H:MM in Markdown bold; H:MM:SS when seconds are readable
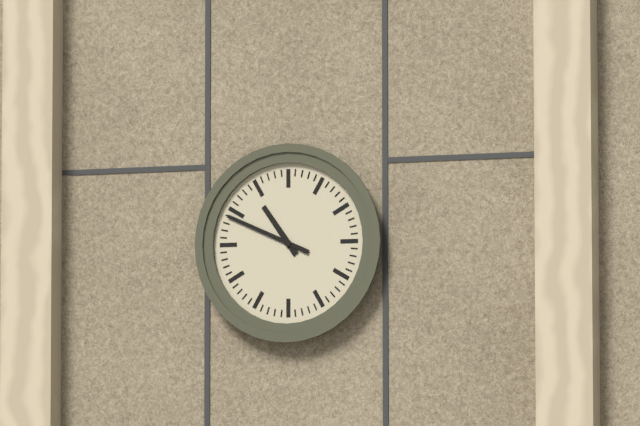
**10:49**
